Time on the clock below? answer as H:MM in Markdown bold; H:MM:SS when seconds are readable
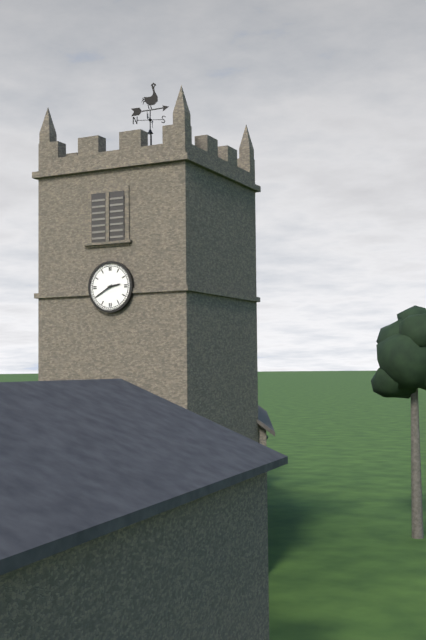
**2:40**
